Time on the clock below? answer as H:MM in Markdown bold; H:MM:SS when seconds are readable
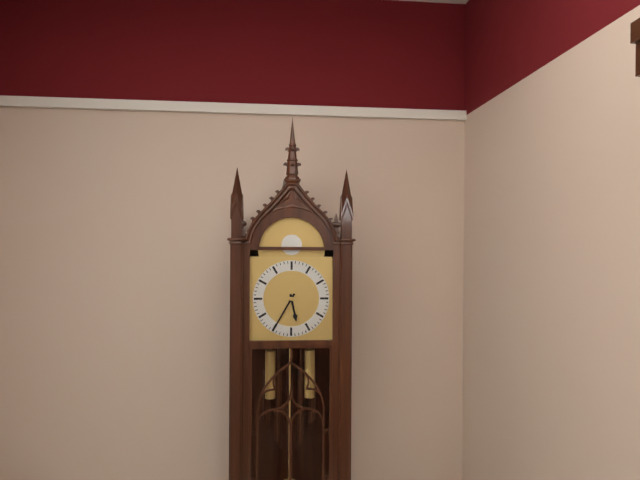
**5:35**
